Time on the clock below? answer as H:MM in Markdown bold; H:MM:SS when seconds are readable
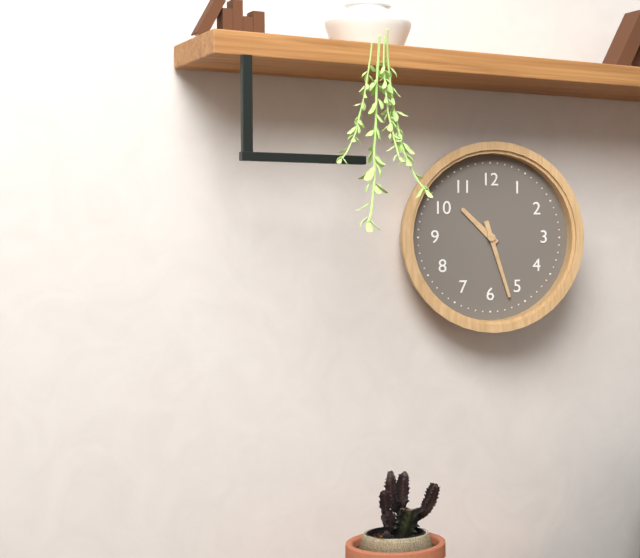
**10:27**
